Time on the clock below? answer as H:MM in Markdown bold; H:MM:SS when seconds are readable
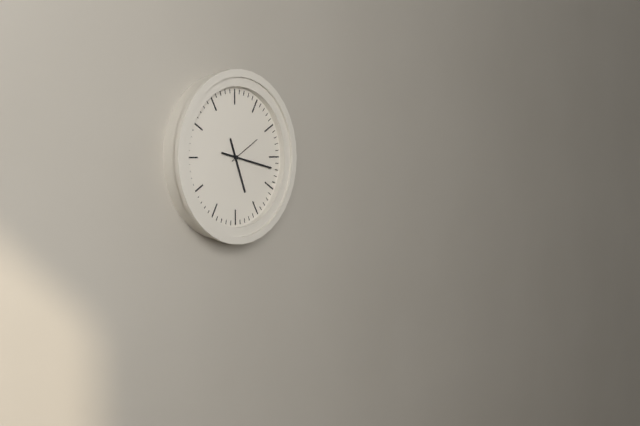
**5:17**
